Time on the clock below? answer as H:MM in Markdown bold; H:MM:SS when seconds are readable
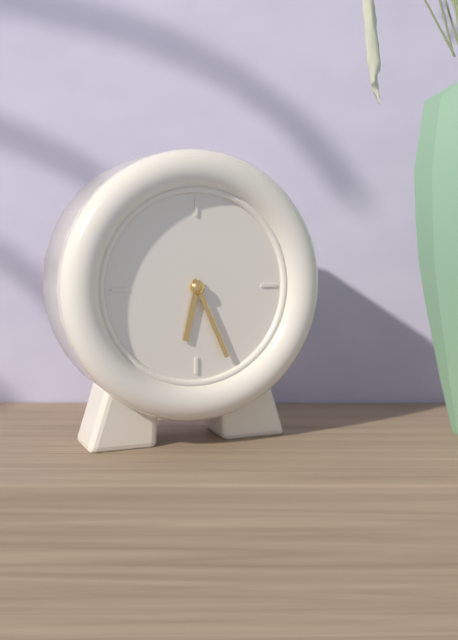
**6:26**
